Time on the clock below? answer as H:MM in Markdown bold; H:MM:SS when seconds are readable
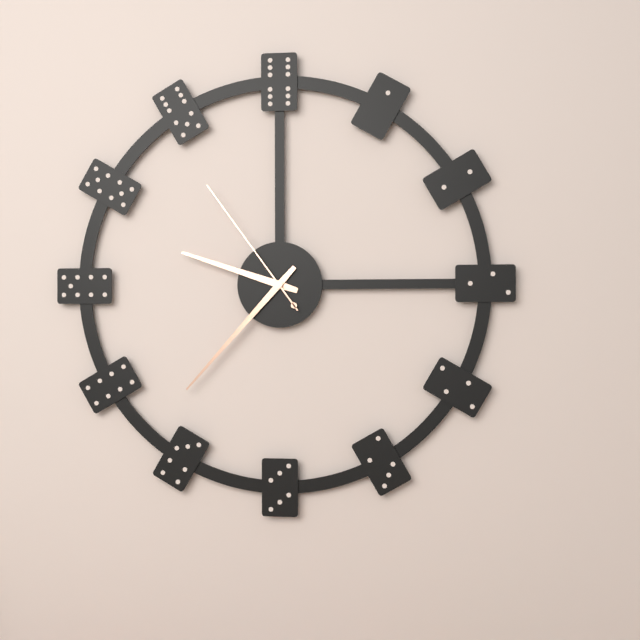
**9:37:54**
